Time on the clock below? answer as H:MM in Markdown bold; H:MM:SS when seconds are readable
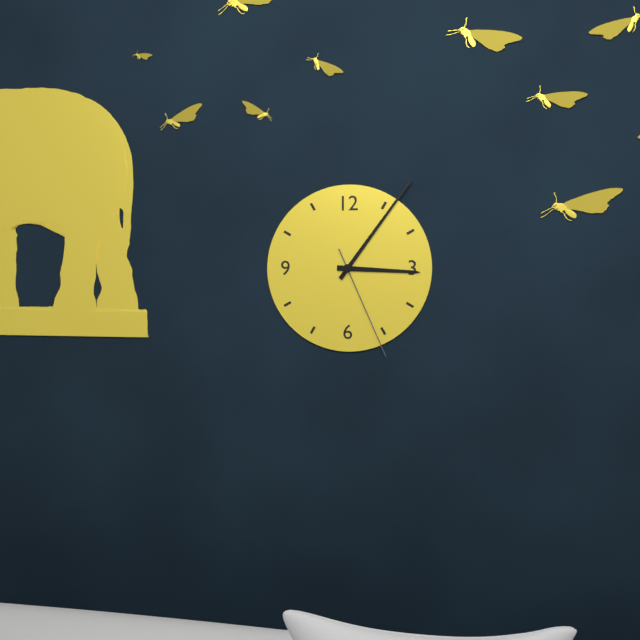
**3:06:26**
